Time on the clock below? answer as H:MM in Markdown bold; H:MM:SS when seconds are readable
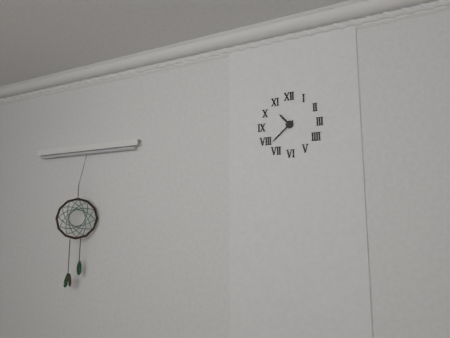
**10:38**
